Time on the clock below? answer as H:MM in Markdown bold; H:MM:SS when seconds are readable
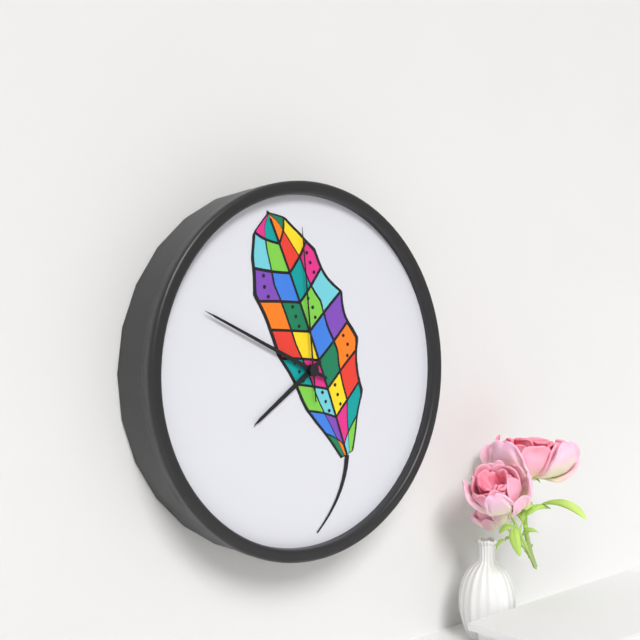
**7:49:59**
